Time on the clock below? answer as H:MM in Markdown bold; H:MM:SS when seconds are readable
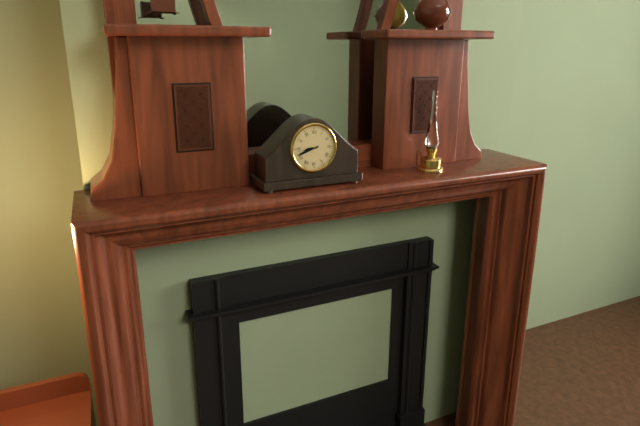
**8:42**
